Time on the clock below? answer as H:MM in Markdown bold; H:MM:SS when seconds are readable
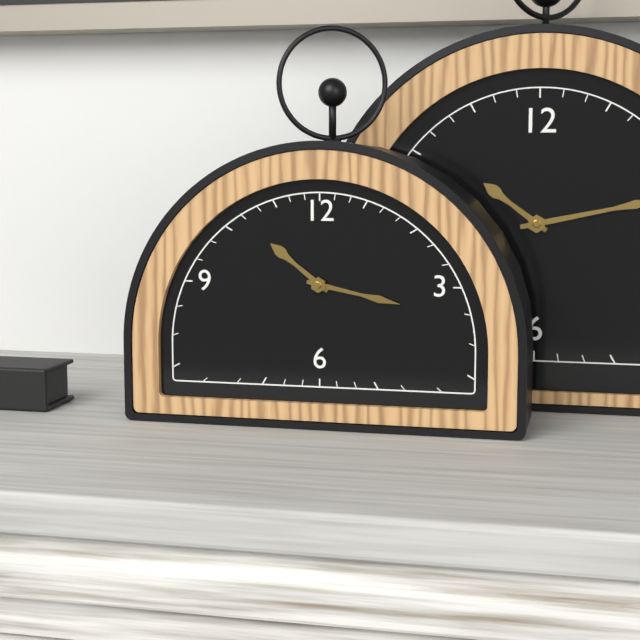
**10:17**
